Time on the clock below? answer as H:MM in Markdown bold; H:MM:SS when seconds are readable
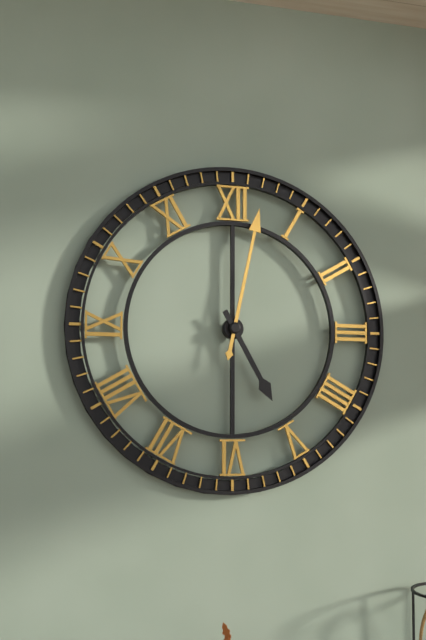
**5:02**
